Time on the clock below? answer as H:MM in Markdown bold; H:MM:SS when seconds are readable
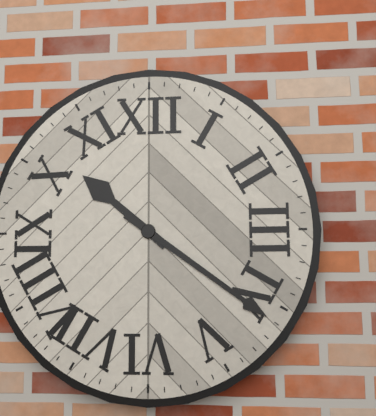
**10:21**
